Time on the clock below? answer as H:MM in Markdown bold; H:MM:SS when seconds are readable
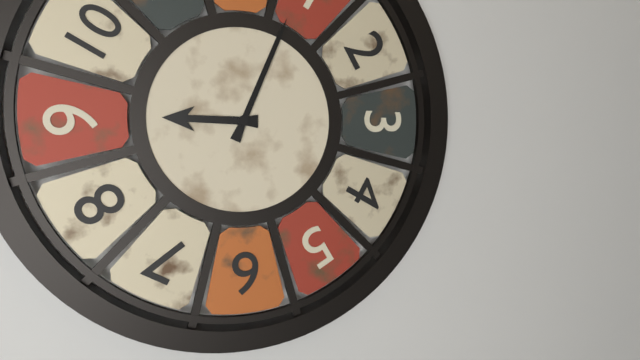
**9:04**
